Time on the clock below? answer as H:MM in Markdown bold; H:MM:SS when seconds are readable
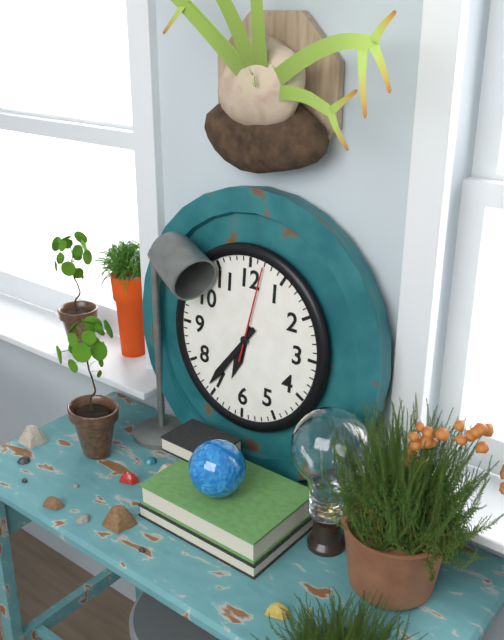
**6:36:02**
